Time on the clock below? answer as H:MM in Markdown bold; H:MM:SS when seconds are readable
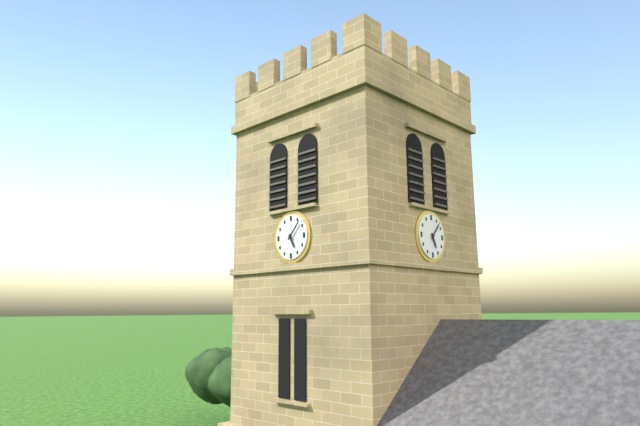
**5:07**
